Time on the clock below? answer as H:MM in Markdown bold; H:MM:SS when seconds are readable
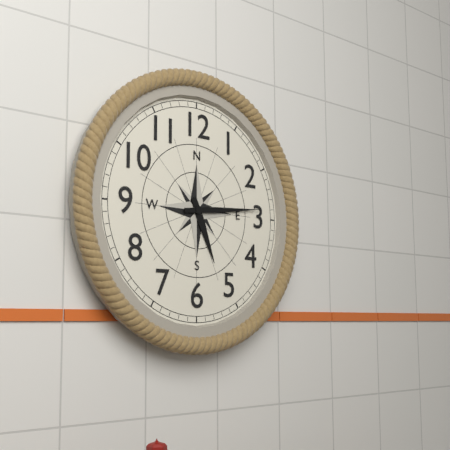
**5:14**
